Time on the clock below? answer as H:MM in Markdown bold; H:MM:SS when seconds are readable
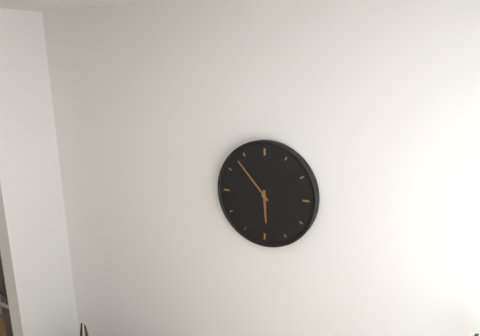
**5:53**
